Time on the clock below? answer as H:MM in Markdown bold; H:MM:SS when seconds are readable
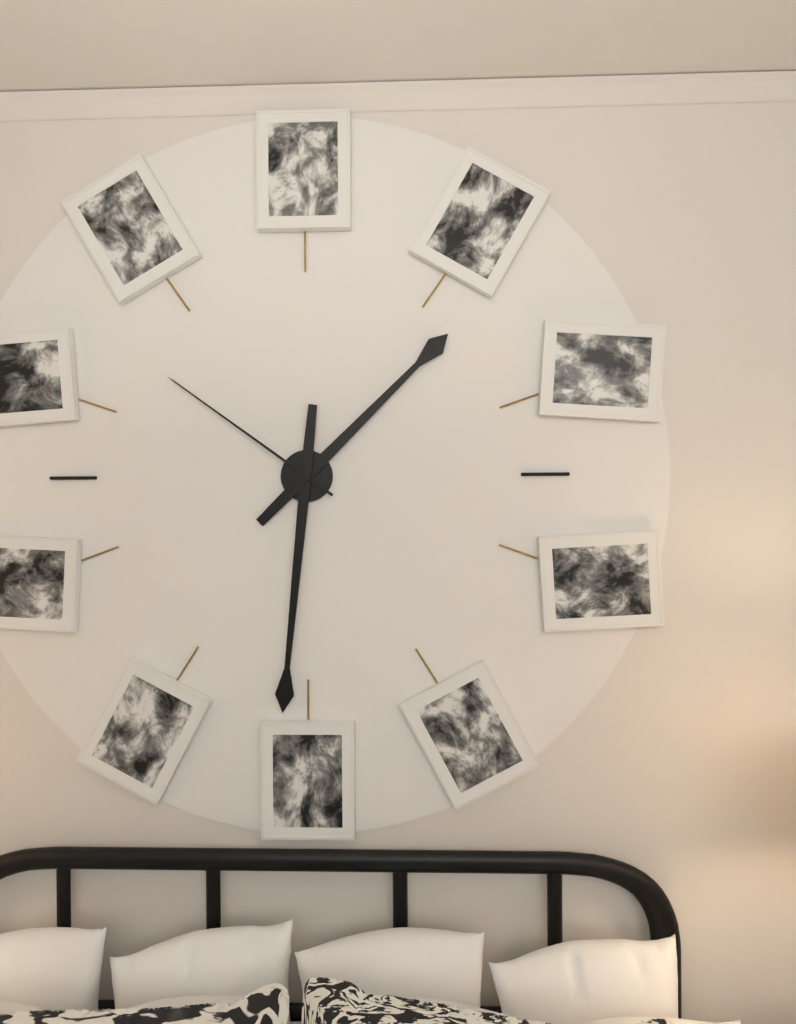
**1:31:51**
